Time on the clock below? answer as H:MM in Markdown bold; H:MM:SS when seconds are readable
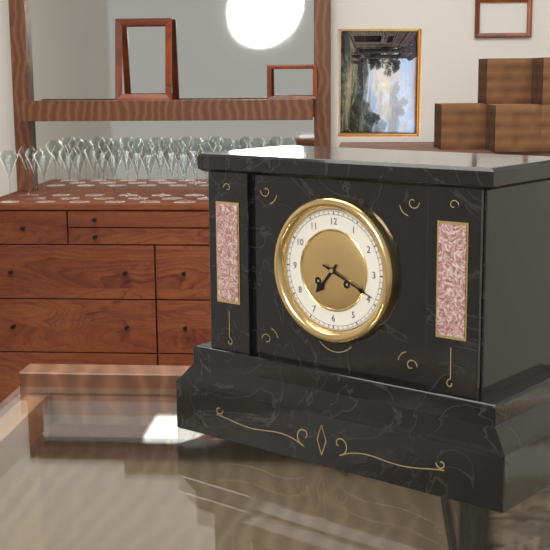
**7:19**
